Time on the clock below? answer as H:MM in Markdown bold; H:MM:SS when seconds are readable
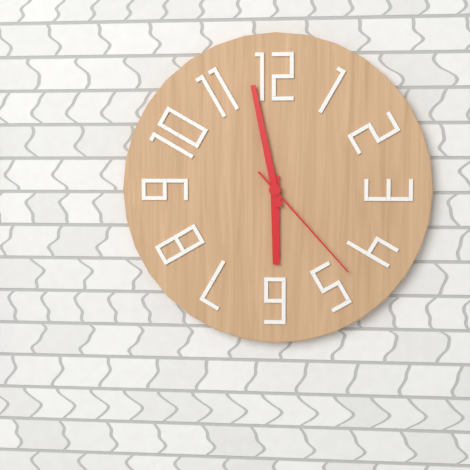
**5:58:23**
